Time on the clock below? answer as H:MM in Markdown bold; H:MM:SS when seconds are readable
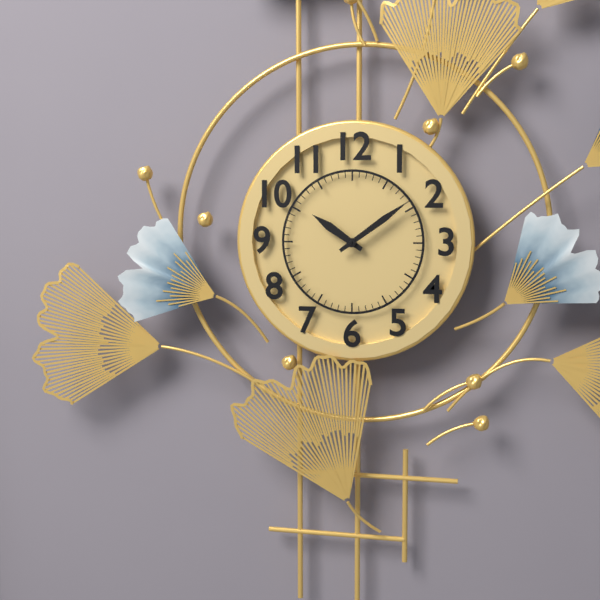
**10:09**
